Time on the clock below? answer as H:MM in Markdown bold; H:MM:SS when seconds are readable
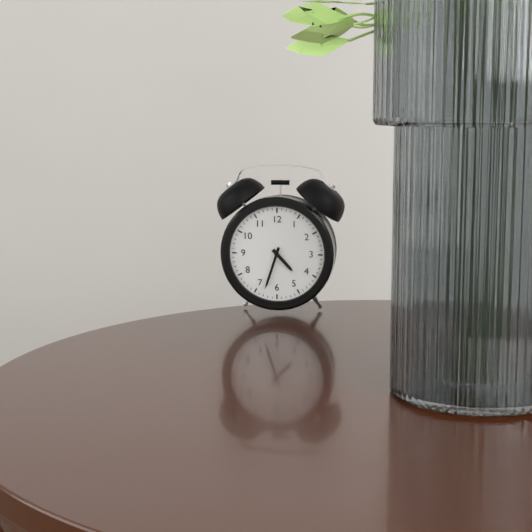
**4:33**
